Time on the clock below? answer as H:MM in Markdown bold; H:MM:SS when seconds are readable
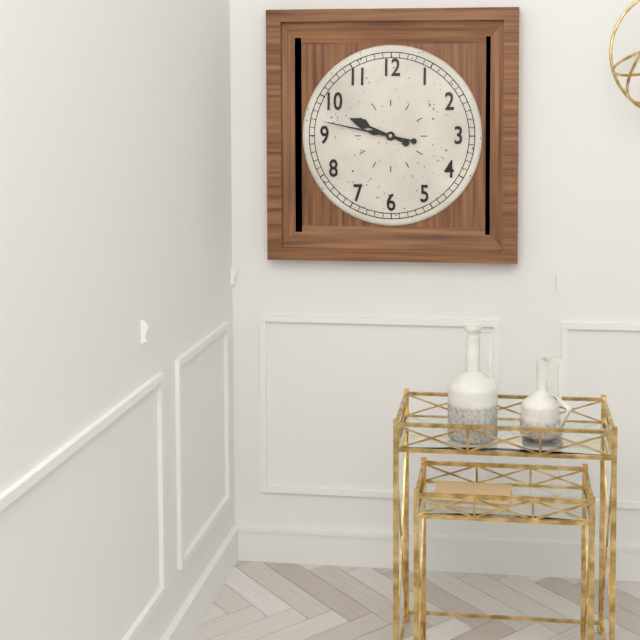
**9:47**
